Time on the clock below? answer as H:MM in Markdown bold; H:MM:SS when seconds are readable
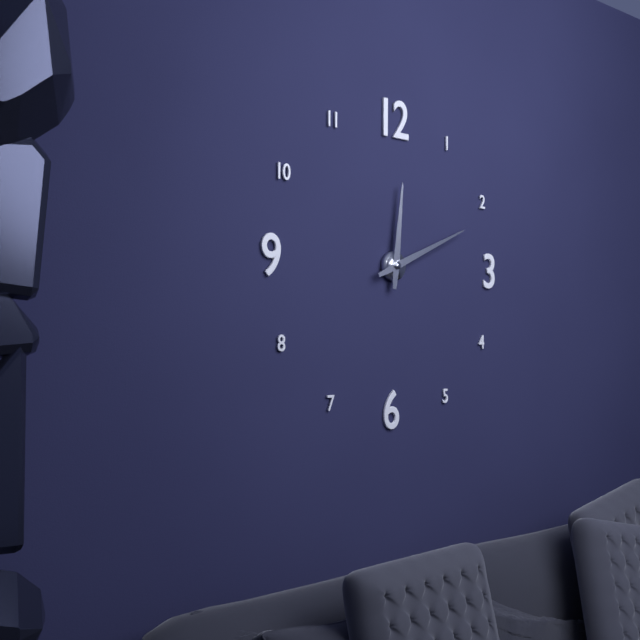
**12:11**
